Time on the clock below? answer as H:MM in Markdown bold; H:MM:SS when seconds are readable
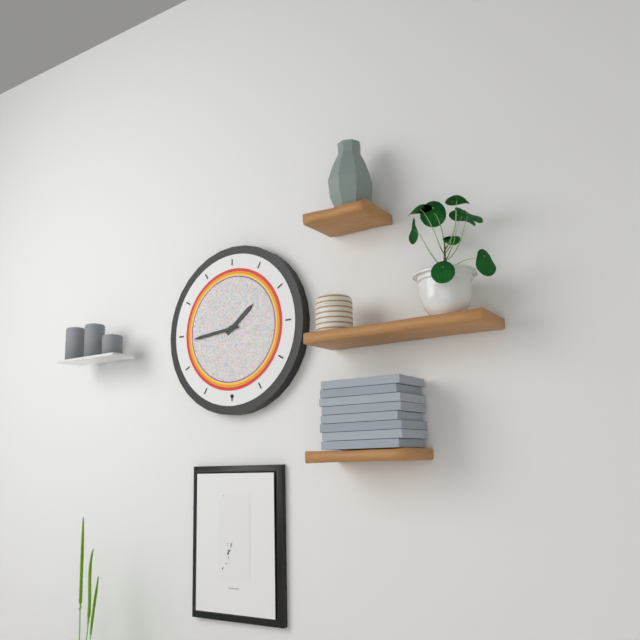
**1:44**
